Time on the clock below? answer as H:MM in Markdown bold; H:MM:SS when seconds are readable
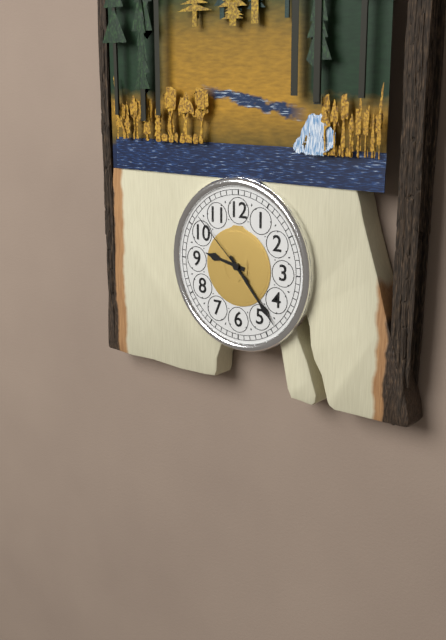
**9:23:52**
